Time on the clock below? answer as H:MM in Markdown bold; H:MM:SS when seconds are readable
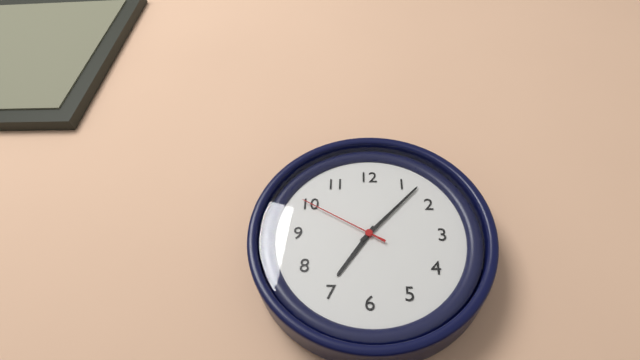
**7:07:50**
